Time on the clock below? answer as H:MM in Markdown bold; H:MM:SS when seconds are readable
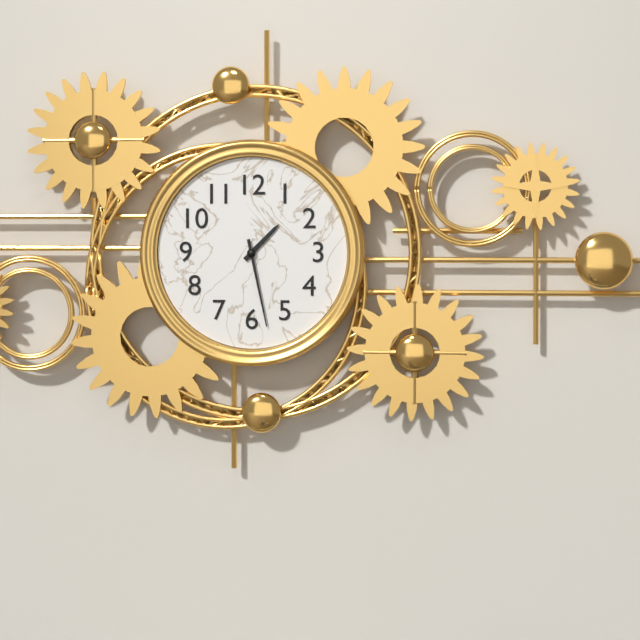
**1:28**
